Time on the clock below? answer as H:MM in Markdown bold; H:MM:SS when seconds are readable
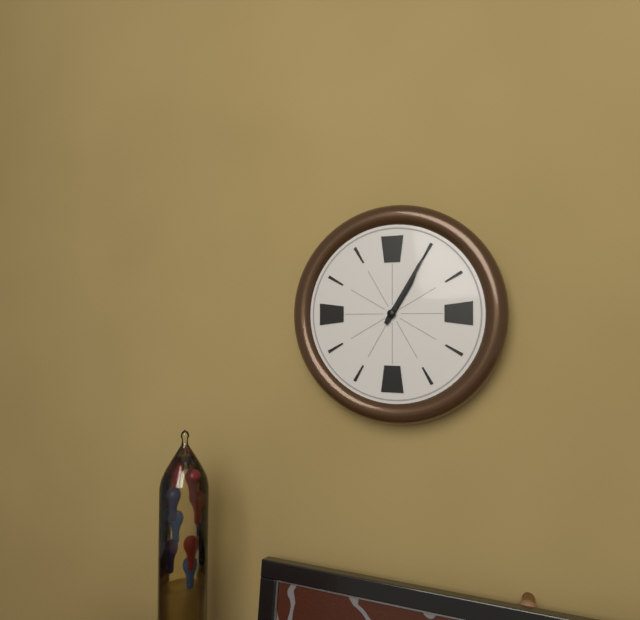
**1:05**
